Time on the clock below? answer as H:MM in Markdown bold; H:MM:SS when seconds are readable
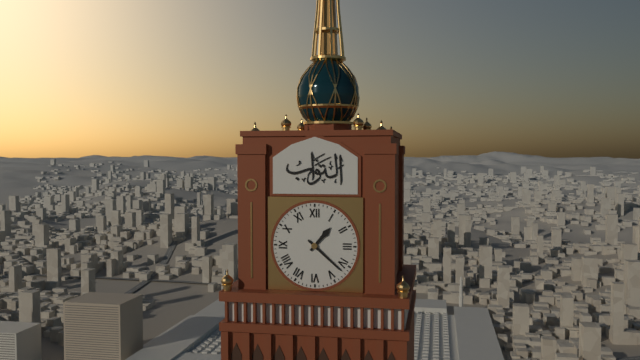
**1:22**
